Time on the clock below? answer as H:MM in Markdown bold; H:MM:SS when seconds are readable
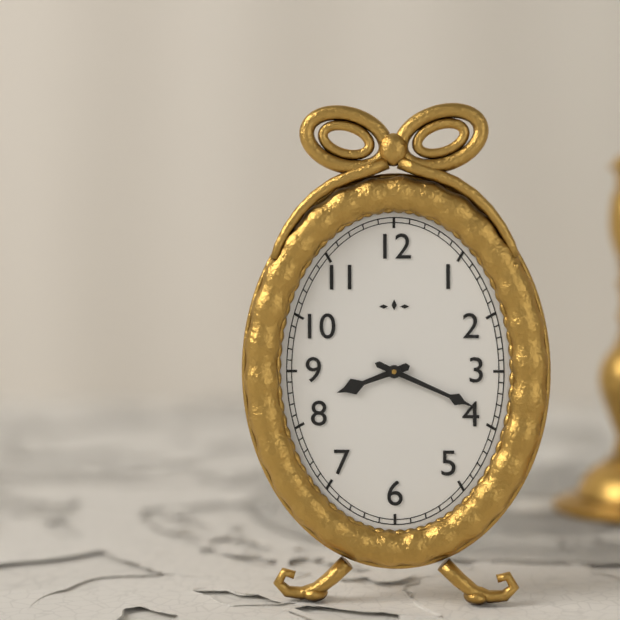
**8:19**
